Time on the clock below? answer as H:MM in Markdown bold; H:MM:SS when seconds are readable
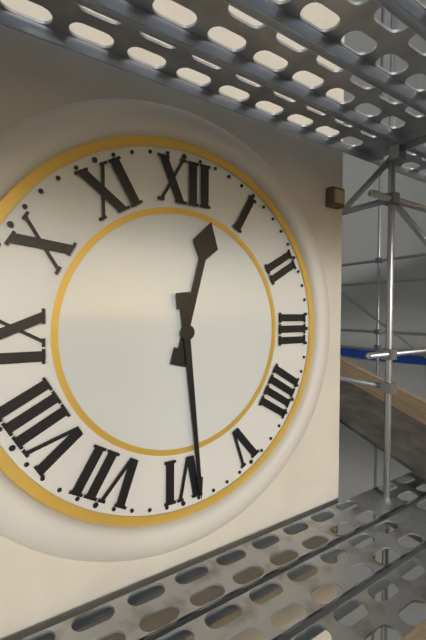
**12:29**
